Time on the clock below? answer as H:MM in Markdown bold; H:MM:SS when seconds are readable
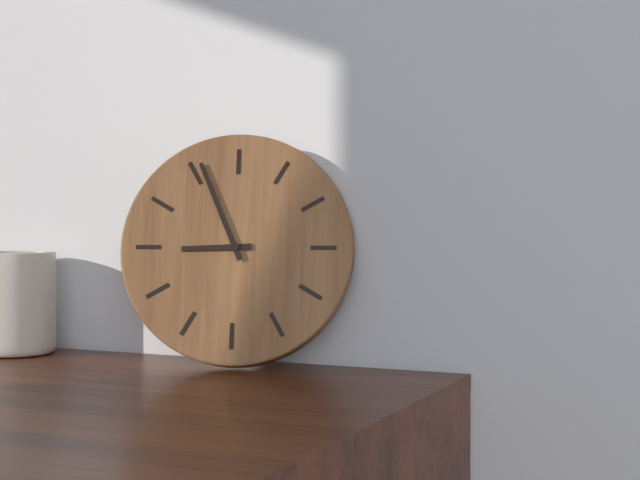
**8:56**
